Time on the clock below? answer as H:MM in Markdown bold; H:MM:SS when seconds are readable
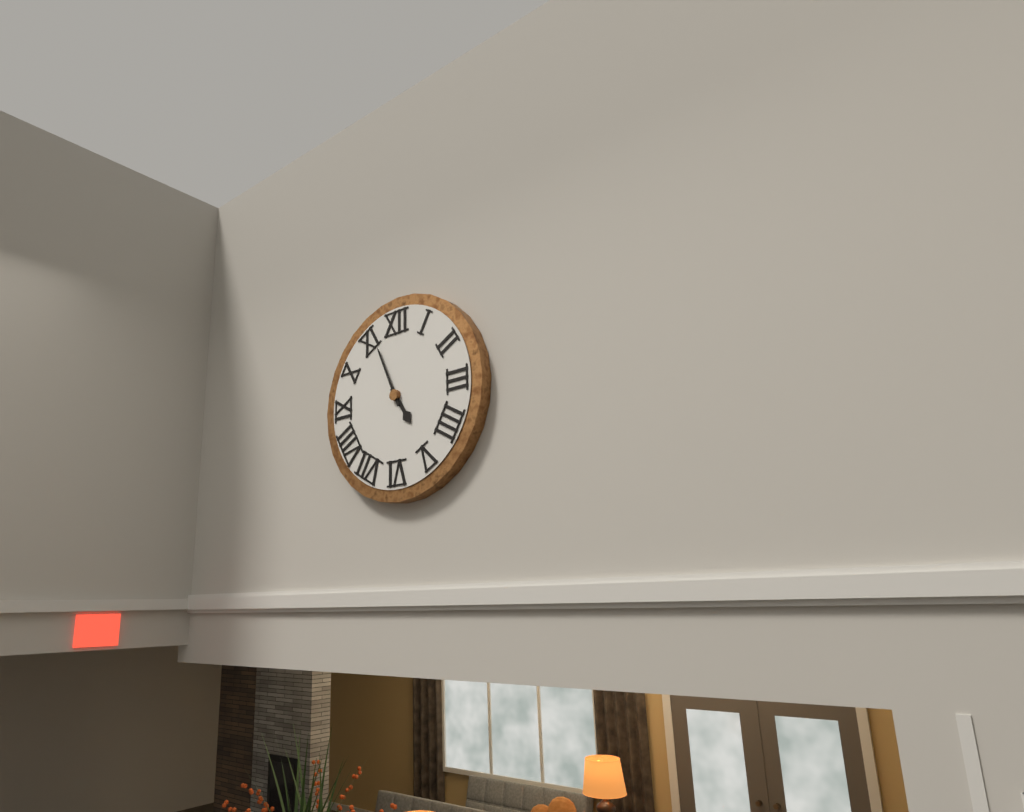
**4:56**
